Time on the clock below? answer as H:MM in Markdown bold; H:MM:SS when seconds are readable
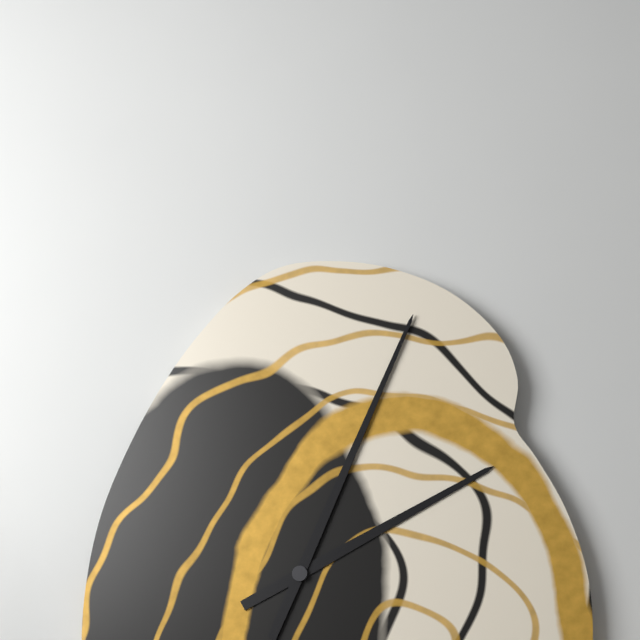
**2:04**
